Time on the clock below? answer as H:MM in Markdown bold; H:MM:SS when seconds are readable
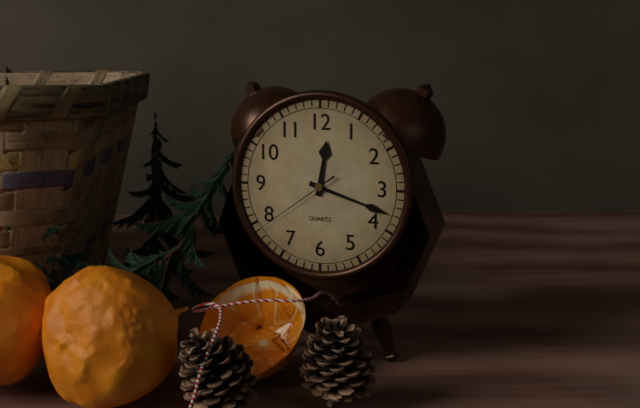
**12:18:39**
